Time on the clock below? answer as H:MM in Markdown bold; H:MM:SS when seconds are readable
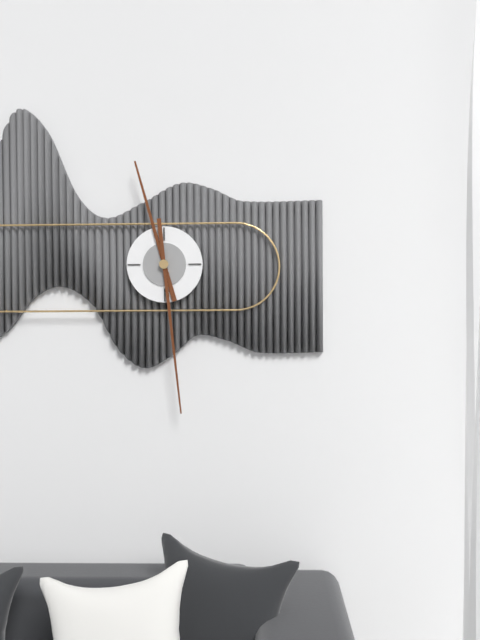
**11:29**
